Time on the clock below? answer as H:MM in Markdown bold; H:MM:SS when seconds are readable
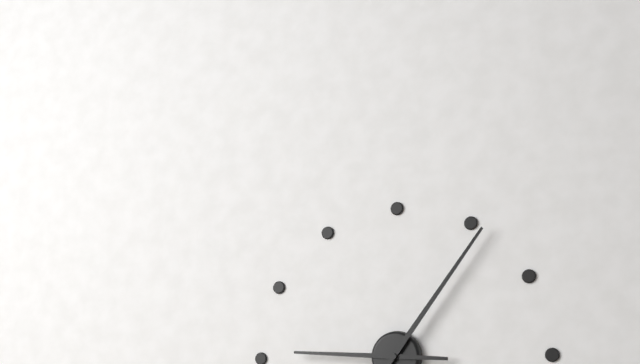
**9:06**
